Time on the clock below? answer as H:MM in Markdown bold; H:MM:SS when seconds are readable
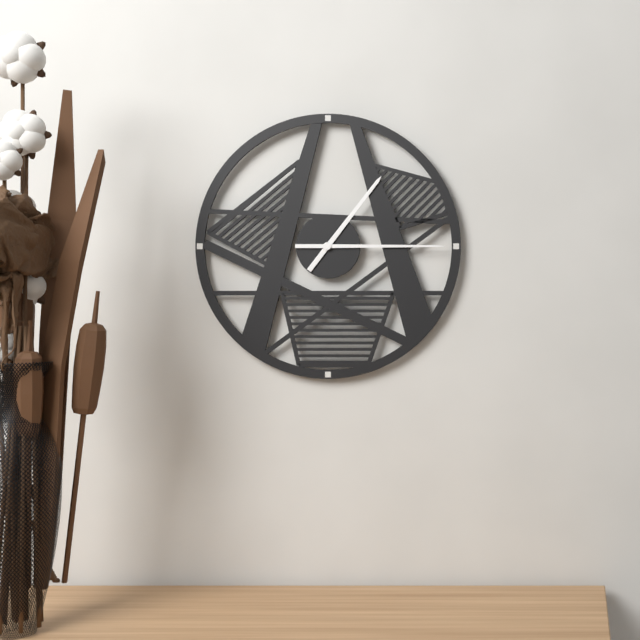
**1:15**
